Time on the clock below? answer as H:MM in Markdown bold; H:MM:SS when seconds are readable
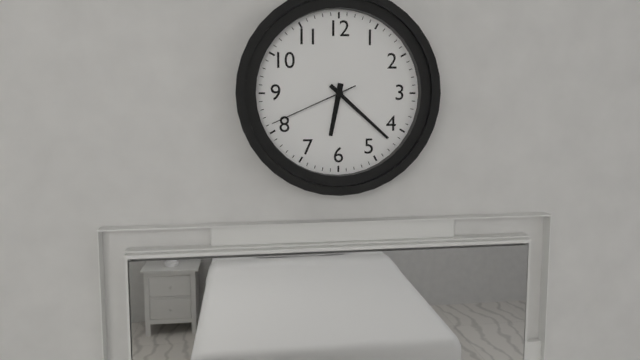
**6:22:41**
